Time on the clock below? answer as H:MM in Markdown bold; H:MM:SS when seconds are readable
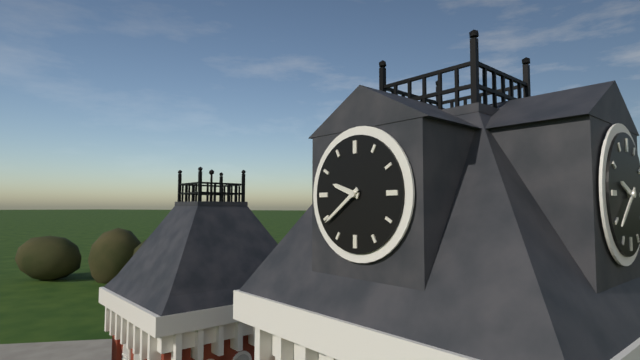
**9:39**
